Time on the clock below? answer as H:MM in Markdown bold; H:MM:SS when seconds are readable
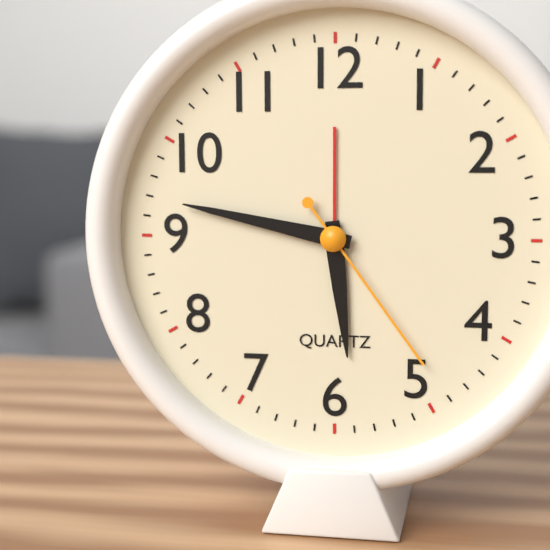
**5:47:24**
